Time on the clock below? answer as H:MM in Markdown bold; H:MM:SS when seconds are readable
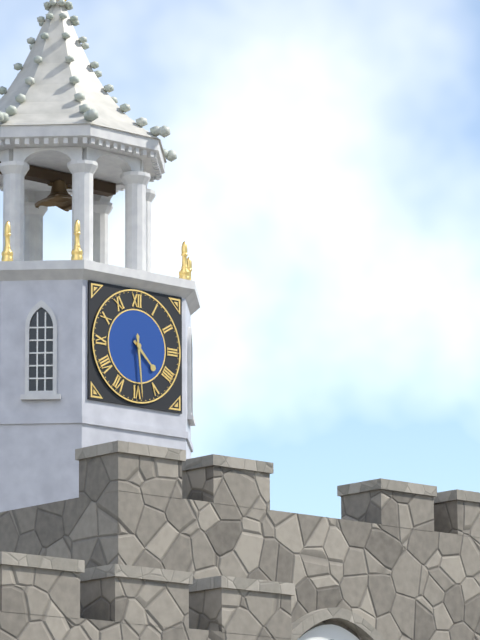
**4:29**
